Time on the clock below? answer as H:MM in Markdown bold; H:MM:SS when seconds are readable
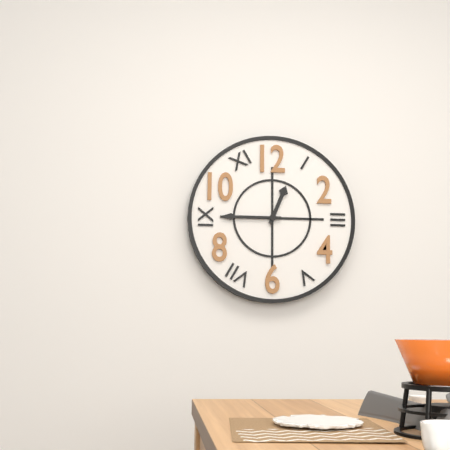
**12:45**
